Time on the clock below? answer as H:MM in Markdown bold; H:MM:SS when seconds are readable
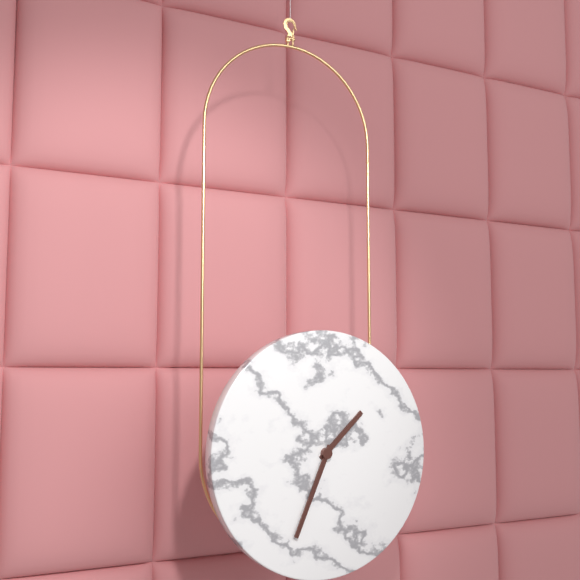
**1:34**
